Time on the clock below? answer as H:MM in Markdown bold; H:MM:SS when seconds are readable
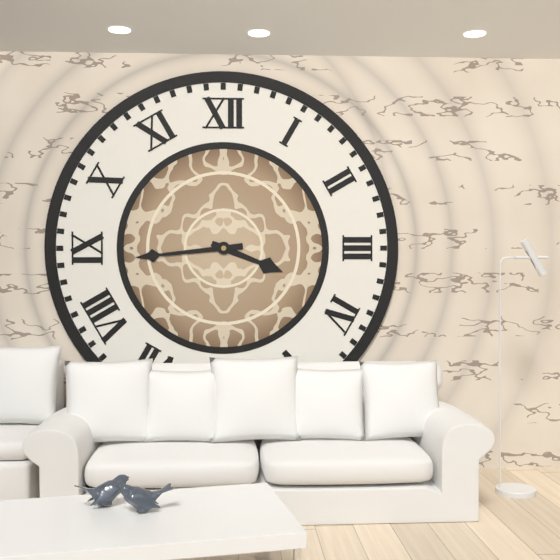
**3:44**
